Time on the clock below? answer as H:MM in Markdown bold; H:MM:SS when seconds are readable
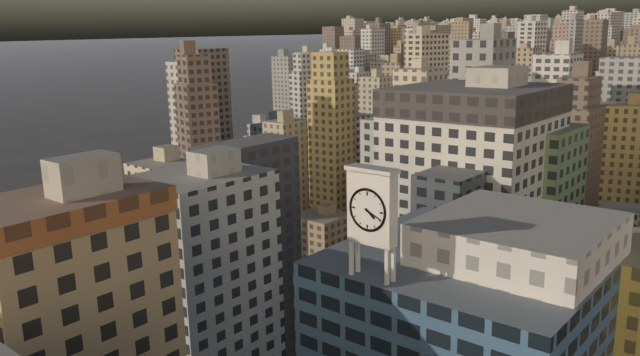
**4:19**
